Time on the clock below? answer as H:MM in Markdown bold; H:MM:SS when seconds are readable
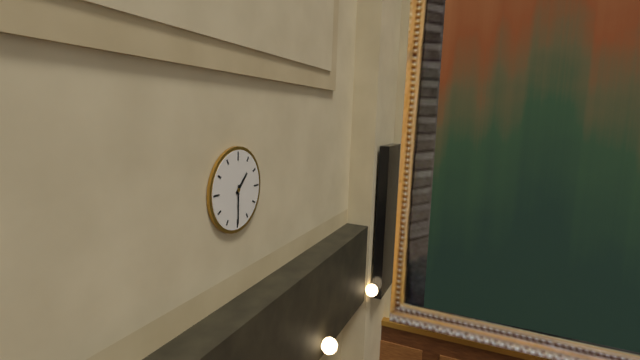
**1:30**
